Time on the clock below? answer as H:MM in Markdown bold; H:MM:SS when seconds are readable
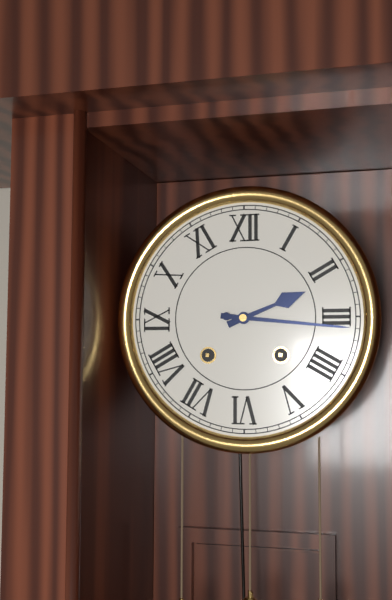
**2:16**
